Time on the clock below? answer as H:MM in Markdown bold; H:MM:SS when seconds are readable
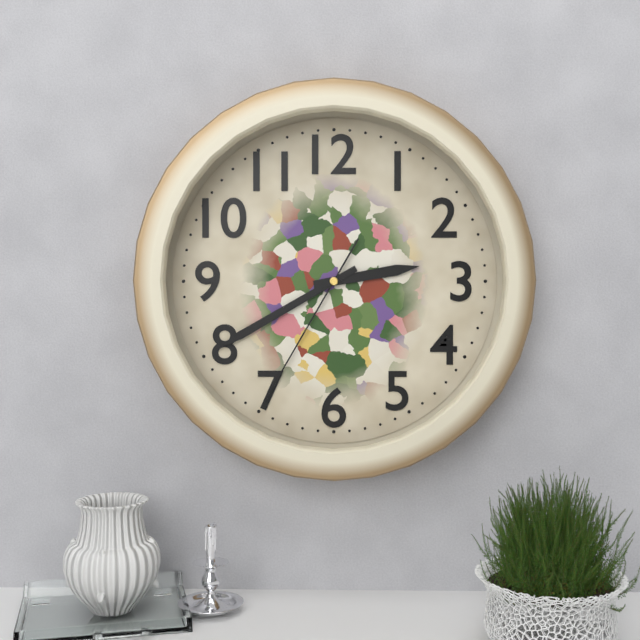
**2:40:35**
